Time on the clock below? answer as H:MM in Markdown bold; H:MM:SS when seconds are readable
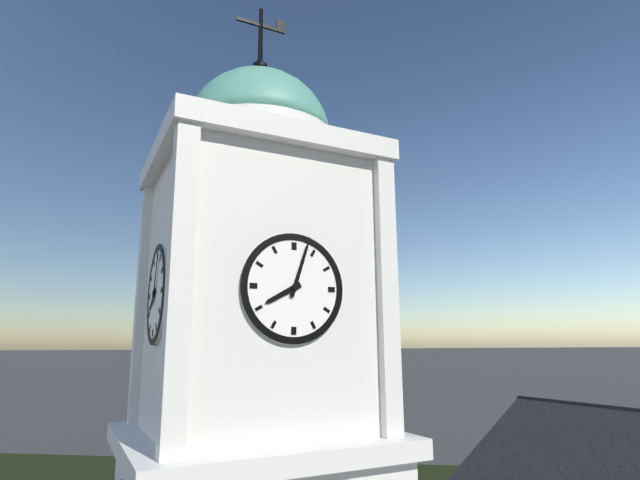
**8:03**
